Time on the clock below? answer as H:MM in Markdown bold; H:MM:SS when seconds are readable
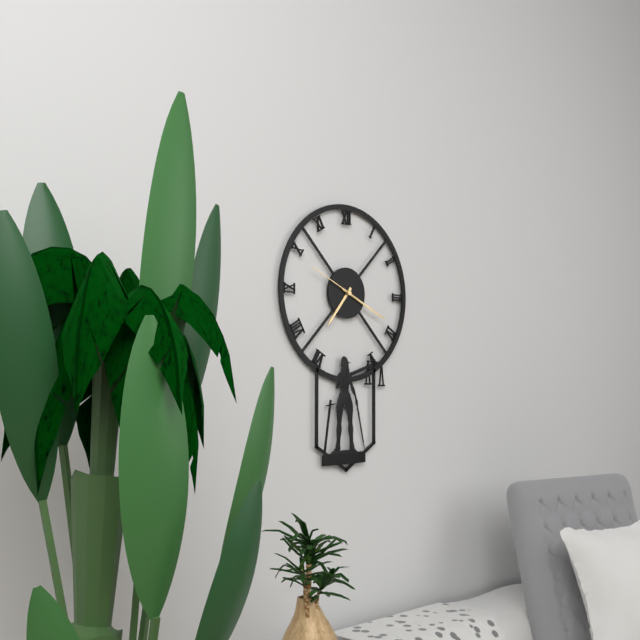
**7:19:49**
